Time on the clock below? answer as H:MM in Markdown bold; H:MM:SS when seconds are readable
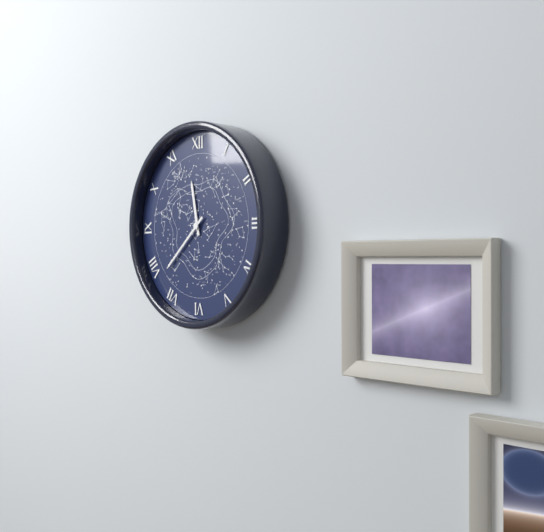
**11:38**
